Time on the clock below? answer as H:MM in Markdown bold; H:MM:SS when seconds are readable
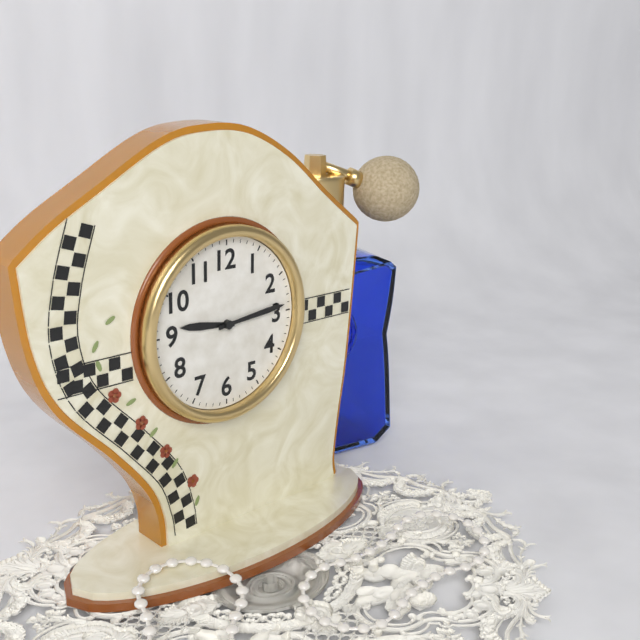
**9:14**
